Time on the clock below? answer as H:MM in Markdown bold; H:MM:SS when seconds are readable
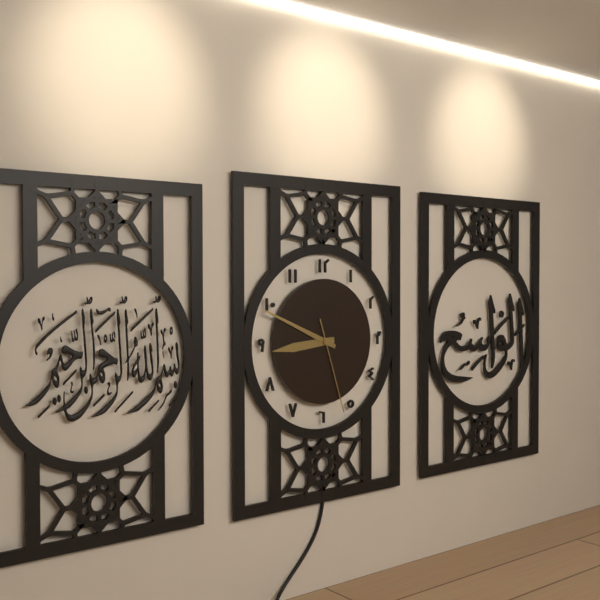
**8:49:27**
